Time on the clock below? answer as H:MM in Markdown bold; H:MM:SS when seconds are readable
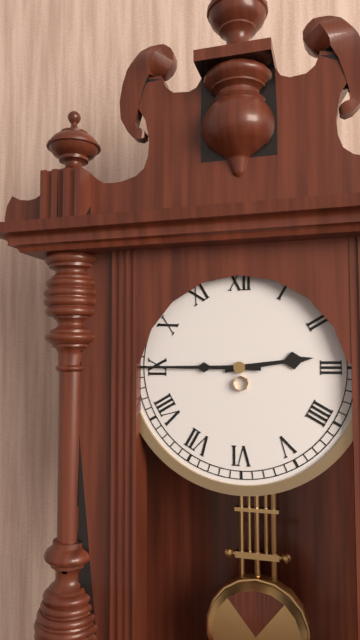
**2:45**
